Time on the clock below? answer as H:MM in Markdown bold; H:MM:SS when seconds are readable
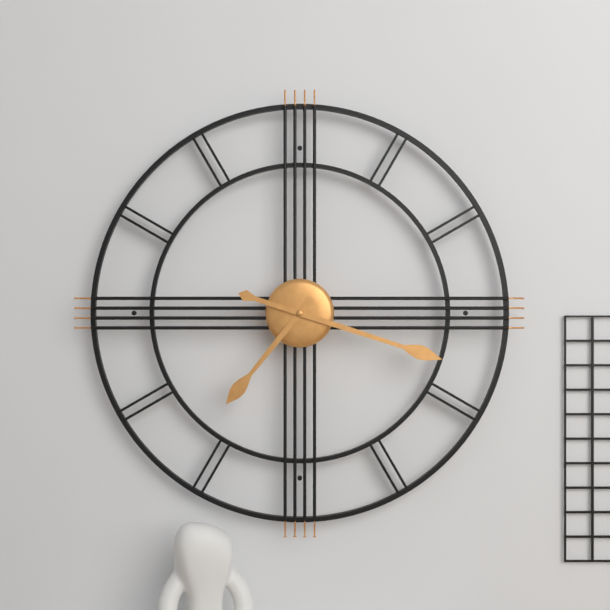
**7:18**
